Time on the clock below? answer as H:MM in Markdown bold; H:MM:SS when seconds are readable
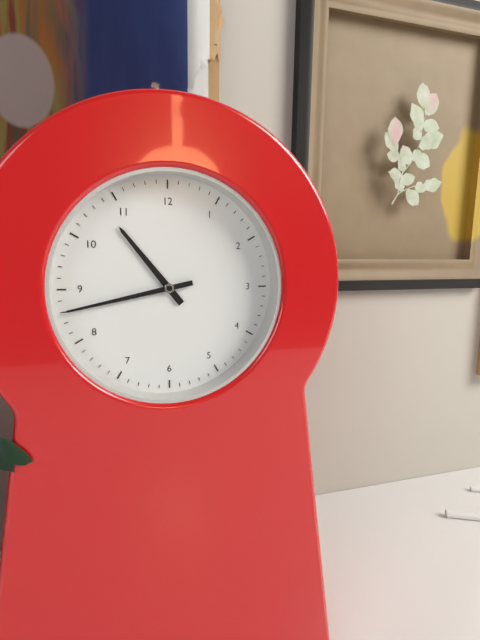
**10:43**
